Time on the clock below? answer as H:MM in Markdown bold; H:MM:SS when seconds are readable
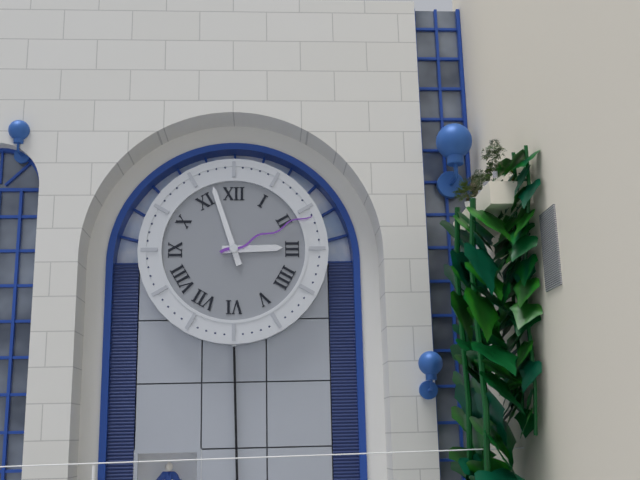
**2:57:11**
